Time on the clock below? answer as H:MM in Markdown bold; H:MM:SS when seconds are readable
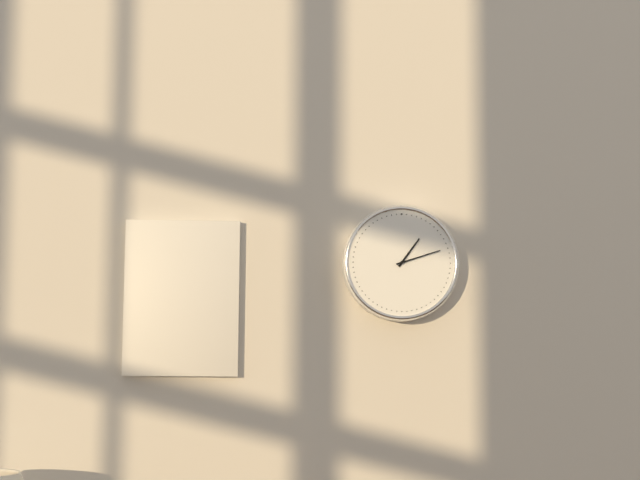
**1:12**
